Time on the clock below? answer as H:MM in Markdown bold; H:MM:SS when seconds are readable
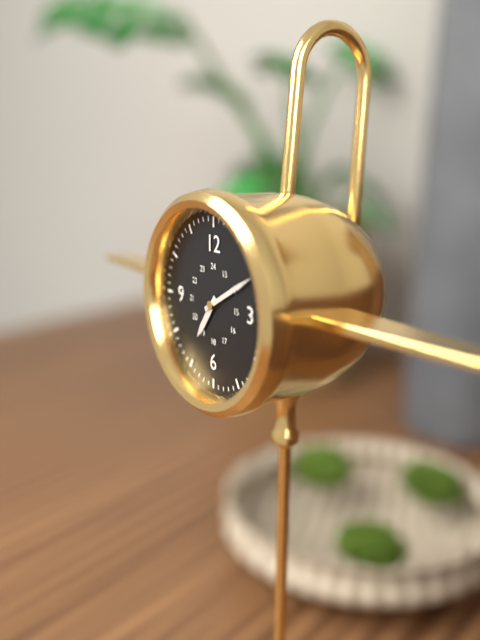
**7:10**
